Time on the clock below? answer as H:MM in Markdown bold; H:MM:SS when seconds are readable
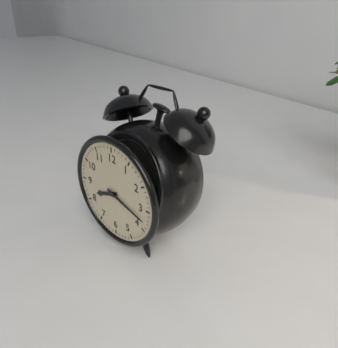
**8:18**
